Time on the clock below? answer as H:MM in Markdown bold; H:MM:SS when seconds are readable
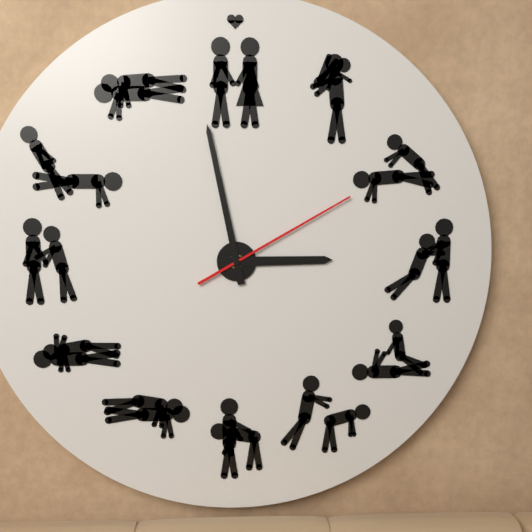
**2:58:10**
